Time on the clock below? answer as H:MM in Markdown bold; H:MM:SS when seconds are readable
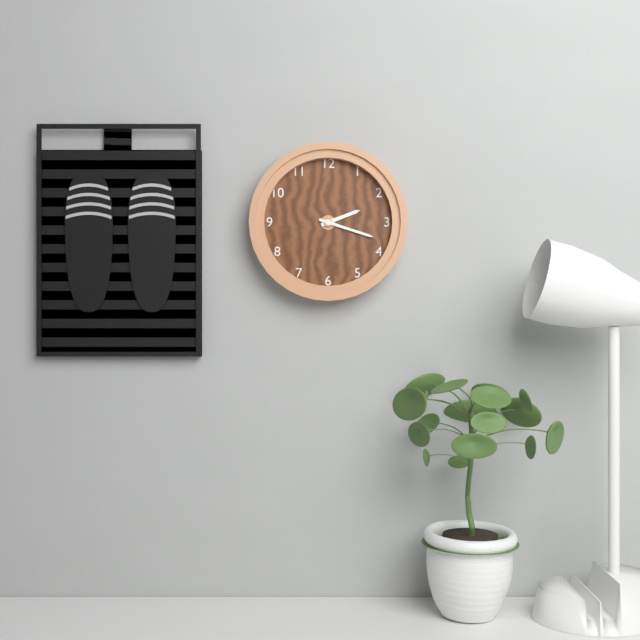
**2:18**
